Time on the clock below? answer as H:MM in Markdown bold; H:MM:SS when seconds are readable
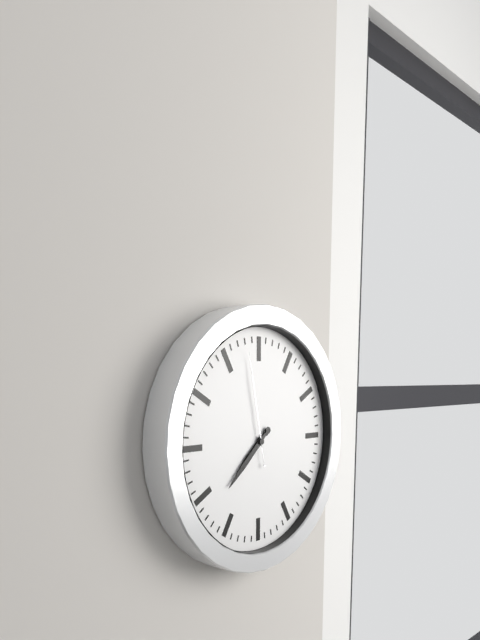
**7:38:58**
